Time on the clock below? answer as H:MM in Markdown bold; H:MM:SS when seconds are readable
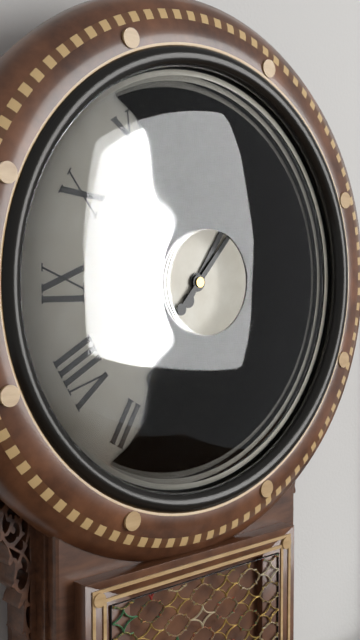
**1:07**
